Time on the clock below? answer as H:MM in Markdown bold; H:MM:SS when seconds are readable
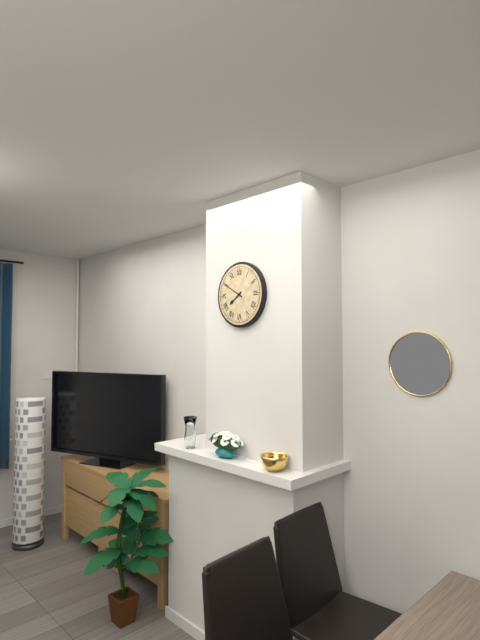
**7:50**
